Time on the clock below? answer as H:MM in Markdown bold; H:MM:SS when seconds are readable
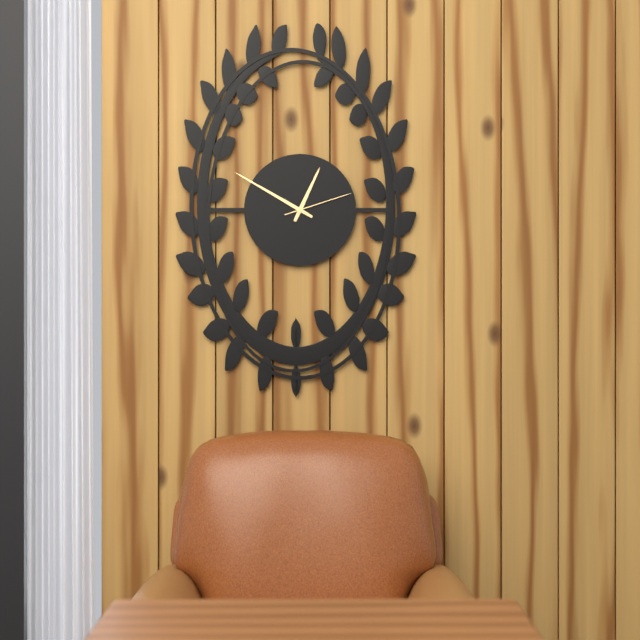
**12:50:12**
